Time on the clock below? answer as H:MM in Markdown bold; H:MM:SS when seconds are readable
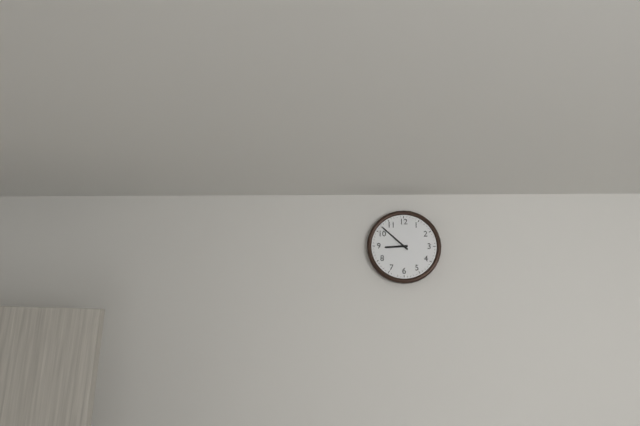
**8:52**
